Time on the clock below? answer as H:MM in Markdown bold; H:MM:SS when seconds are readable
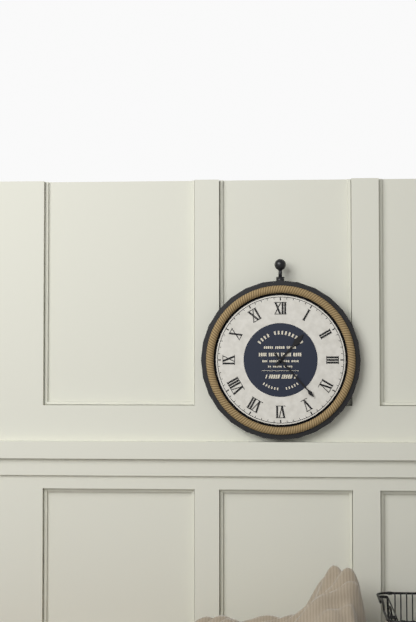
**1:23**
